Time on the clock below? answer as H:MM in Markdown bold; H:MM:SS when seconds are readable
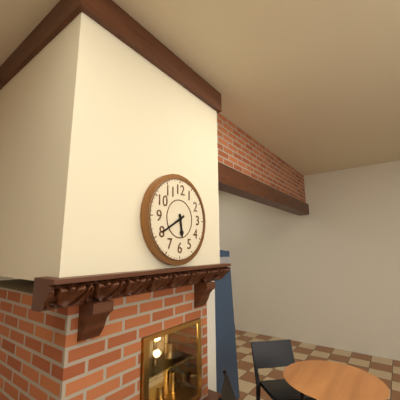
**5:40**
